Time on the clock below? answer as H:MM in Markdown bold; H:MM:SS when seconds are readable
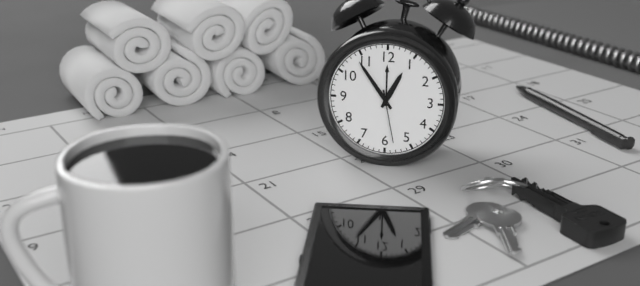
**12:54:28**
